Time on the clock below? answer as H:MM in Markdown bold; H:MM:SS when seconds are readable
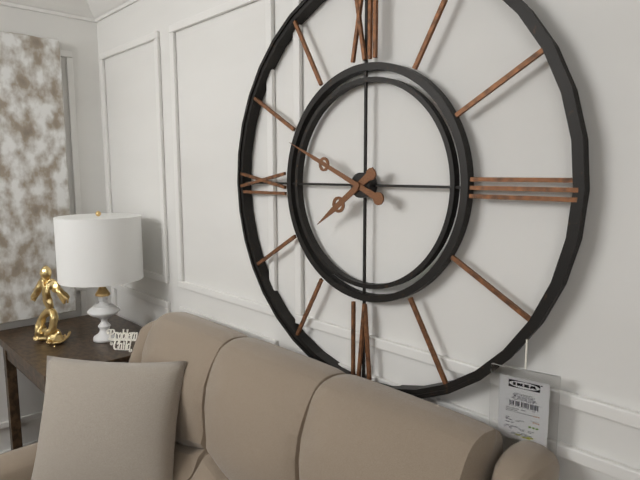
**7:49**
